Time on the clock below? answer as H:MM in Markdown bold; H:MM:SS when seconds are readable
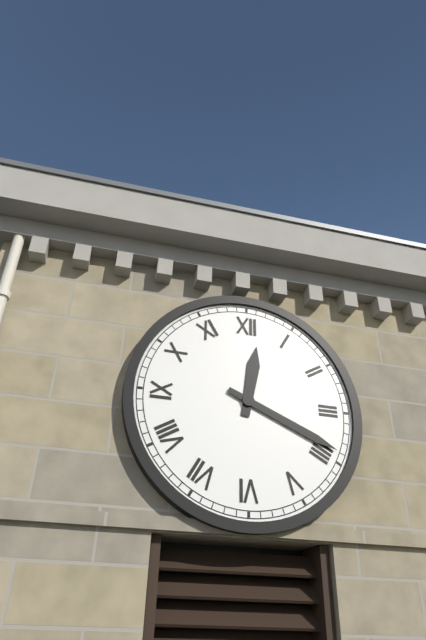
**12:19**
